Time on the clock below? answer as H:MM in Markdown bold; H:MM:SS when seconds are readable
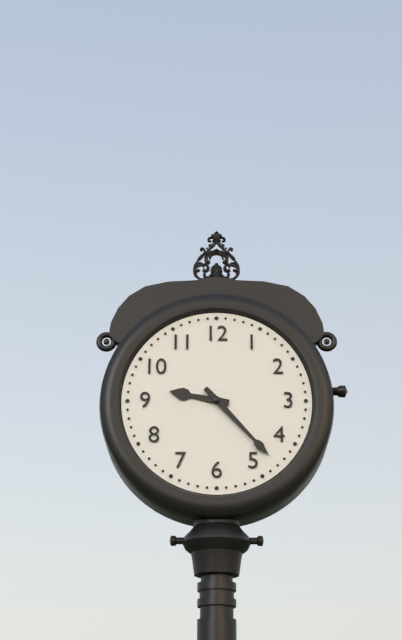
**9:23**
